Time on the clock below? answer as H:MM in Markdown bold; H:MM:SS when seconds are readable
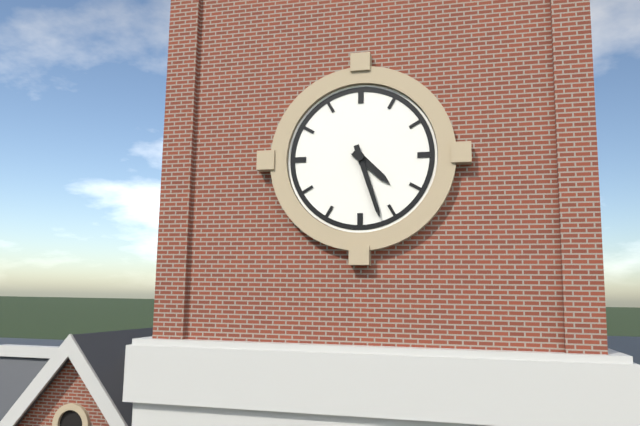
**4:27**
